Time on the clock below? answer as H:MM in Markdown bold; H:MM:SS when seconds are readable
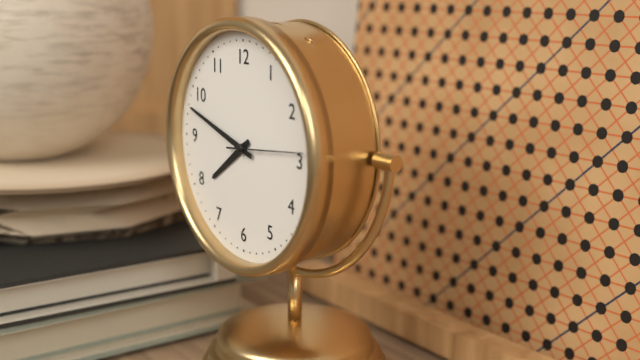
**7:48:14**
